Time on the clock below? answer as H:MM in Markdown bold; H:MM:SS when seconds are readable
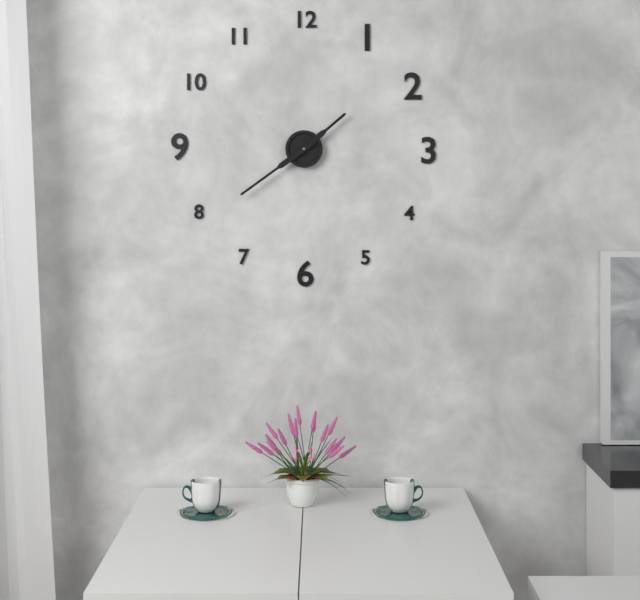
**1:39**
